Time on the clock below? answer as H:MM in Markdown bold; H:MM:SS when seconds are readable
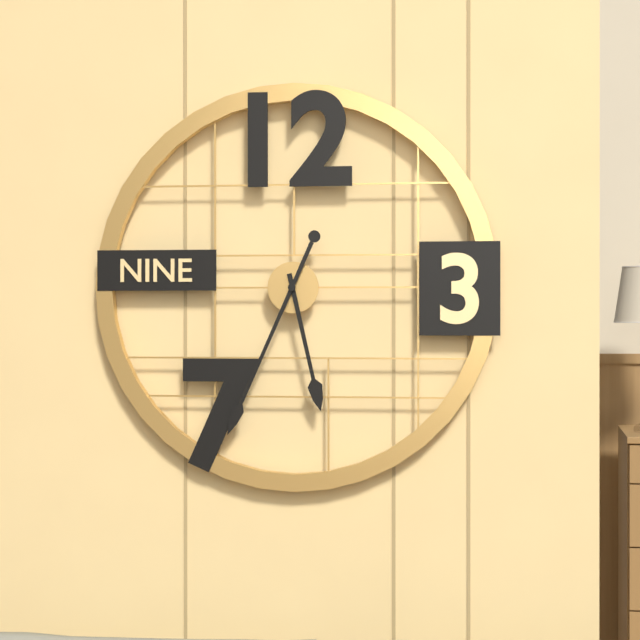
**5:34**
